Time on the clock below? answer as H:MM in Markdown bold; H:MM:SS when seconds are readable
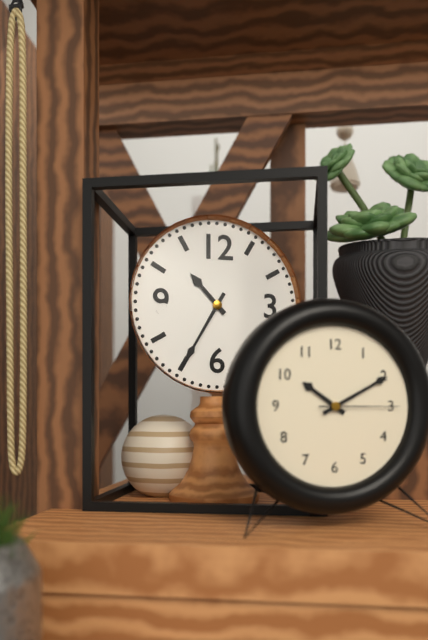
**10:35**
